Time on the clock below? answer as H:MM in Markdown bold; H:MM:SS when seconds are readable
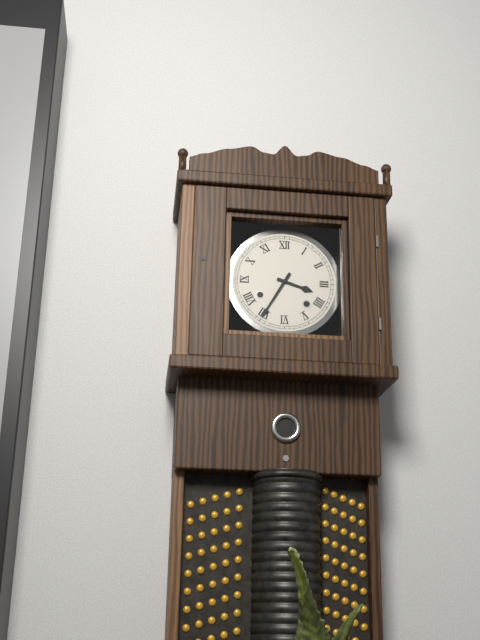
**3:35**
